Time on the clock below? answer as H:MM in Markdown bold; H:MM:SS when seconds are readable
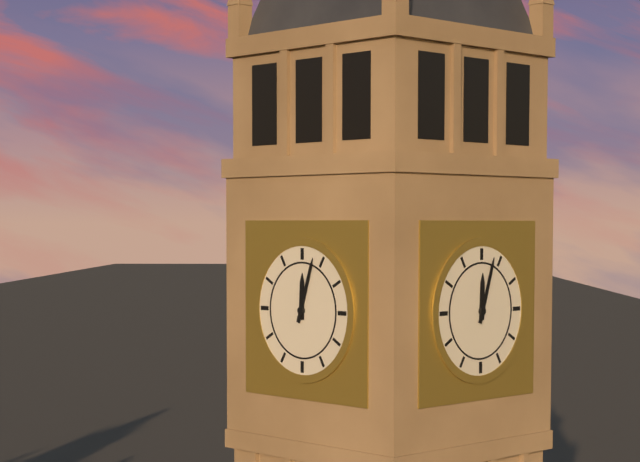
**12:03**
